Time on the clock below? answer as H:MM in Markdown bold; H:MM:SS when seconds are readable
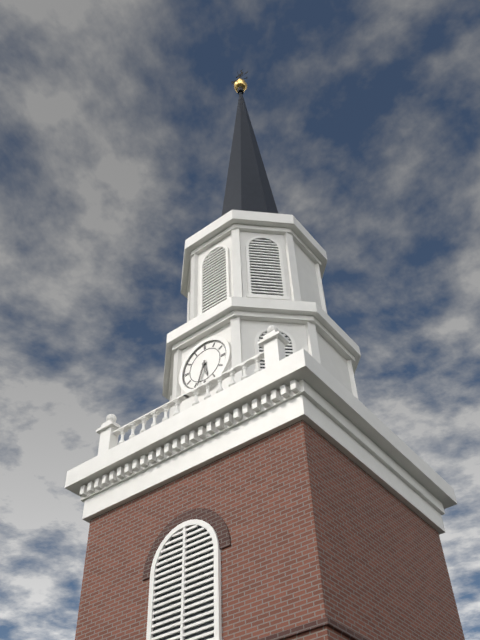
**5:33**
